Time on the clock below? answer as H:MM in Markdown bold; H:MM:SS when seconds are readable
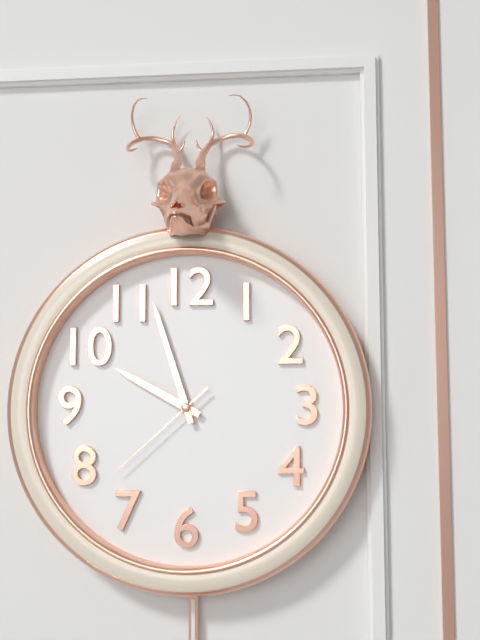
**9:57:38**
